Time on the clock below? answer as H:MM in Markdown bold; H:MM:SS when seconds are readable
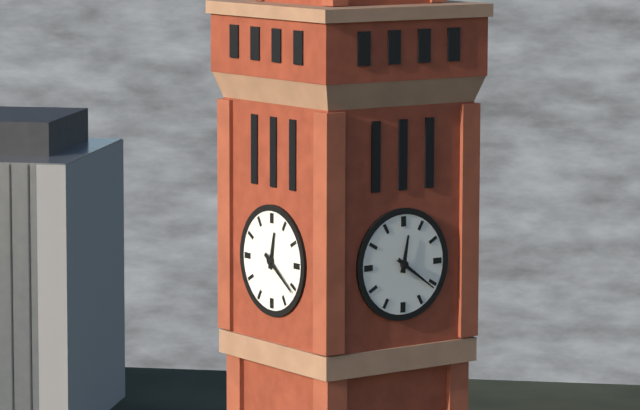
**12:21**
